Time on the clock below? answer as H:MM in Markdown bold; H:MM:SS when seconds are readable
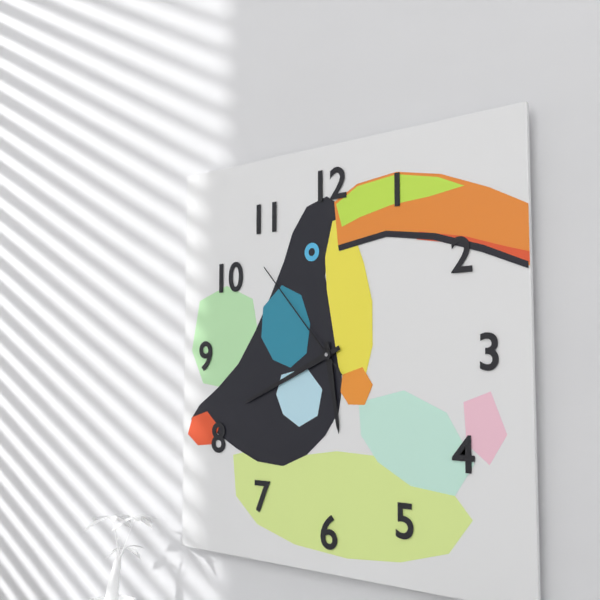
**5:41:53**
